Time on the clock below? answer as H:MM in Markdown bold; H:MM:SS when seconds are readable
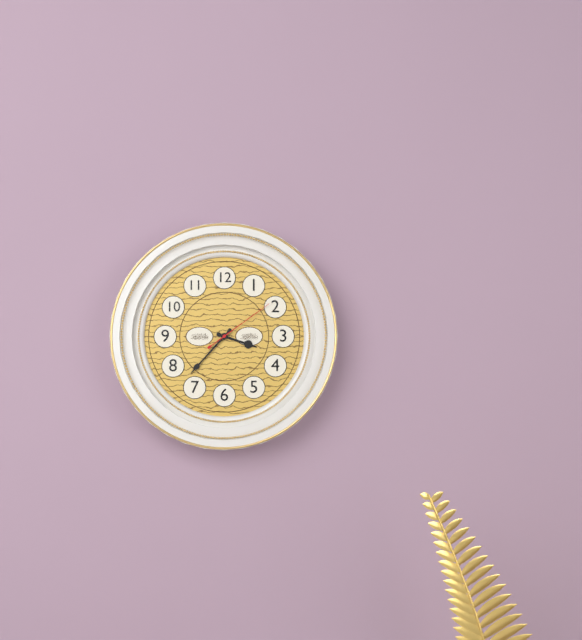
**3:37:09**
